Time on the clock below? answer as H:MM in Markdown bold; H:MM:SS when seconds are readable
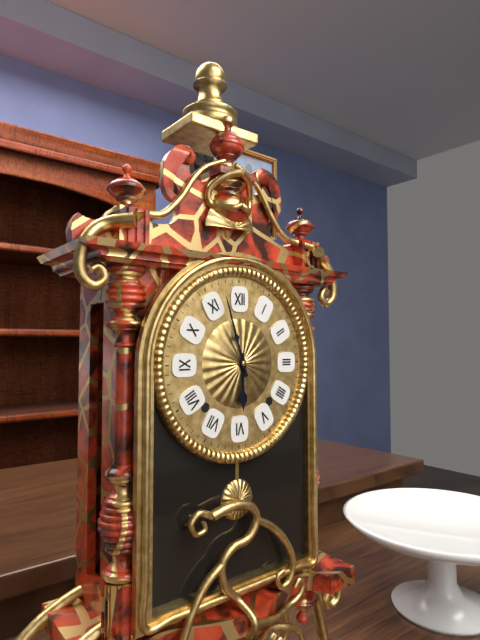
**5:57**
